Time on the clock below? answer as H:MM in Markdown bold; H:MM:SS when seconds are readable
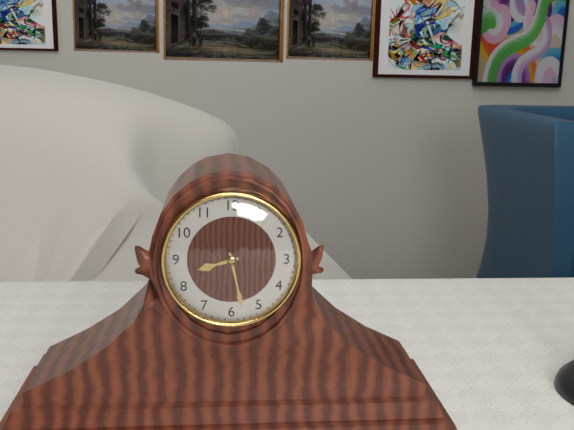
**8:28**
